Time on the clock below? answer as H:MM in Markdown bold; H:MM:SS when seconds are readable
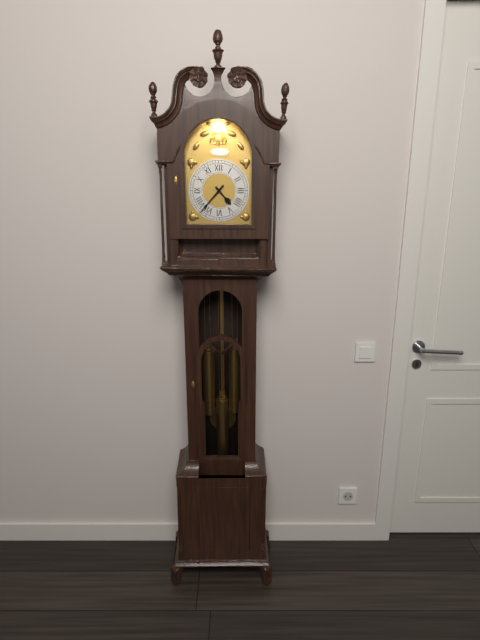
**4:37**
